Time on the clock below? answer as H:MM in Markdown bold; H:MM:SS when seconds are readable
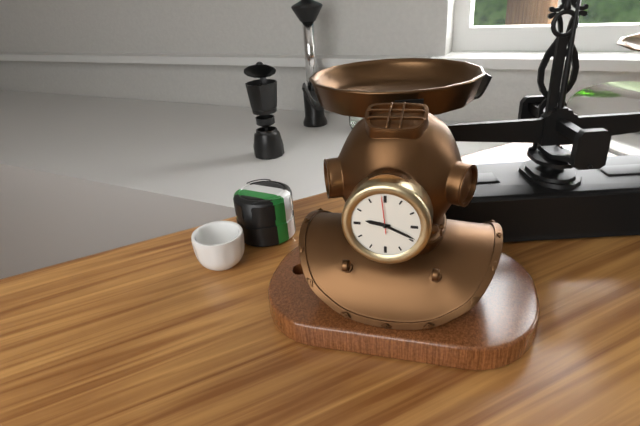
**9:19**
